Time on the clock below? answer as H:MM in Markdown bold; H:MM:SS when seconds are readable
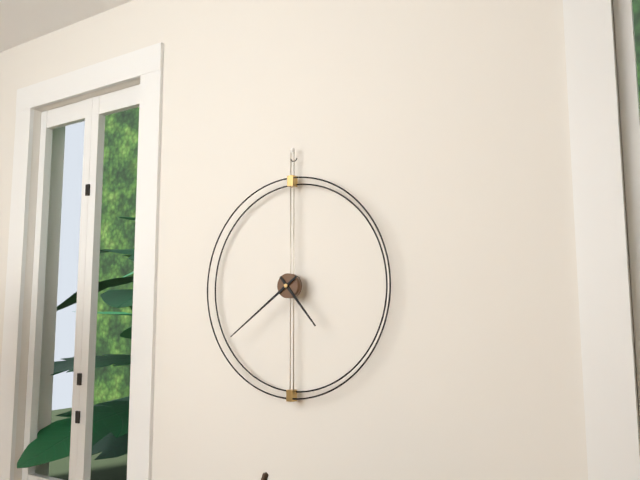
**4:39**
